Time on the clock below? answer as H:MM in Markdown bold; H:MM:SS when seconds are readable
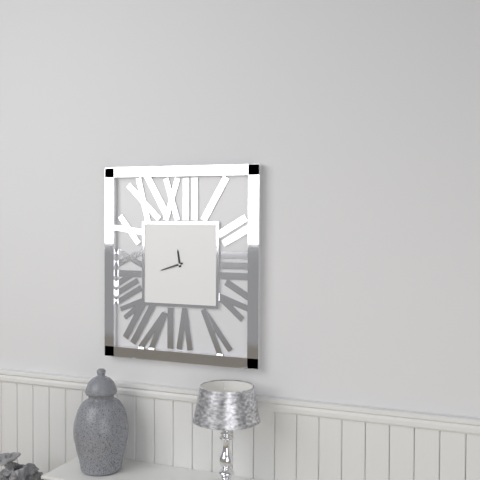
**11:42**
